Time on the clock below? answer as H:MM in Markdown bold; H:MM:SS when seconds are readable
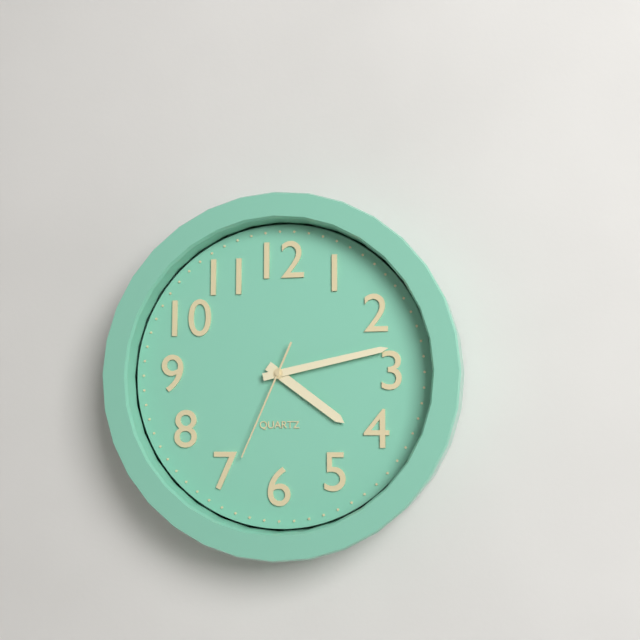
**4:13:34**
